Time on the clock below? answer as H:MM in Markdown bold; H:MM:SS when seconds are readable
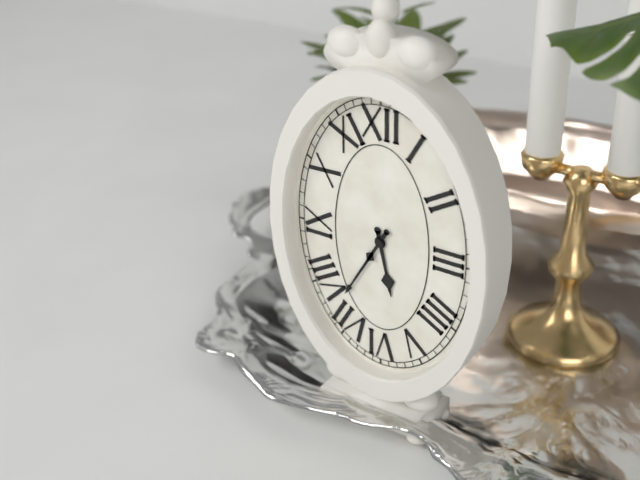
**5:35**
